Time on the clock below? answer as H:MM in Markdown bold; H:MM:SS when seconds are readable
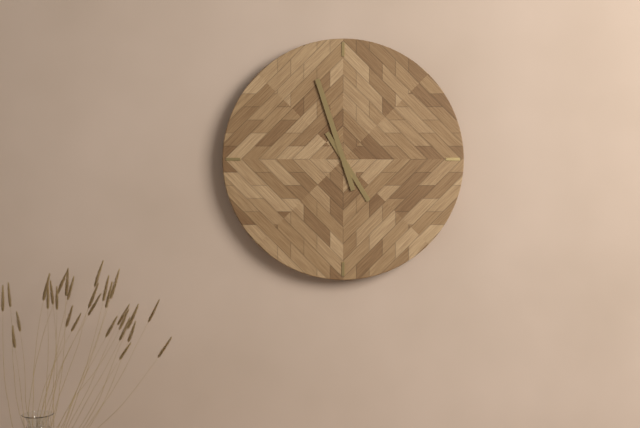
**4:57**
